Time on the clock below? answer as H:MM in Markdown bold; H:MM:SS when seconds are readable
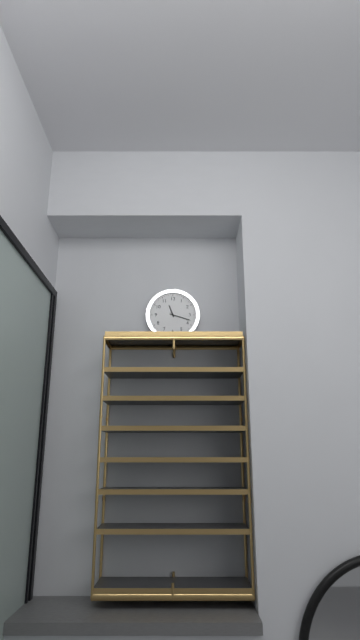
**11:18**
